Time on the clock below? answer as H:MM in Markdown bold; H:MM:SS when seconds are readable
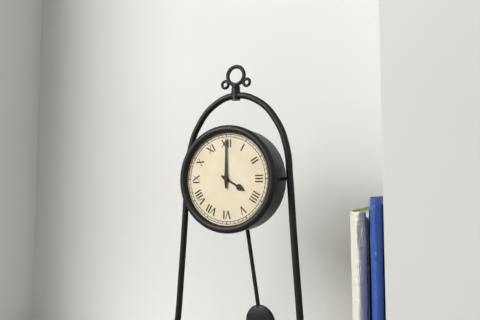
**4:00**
